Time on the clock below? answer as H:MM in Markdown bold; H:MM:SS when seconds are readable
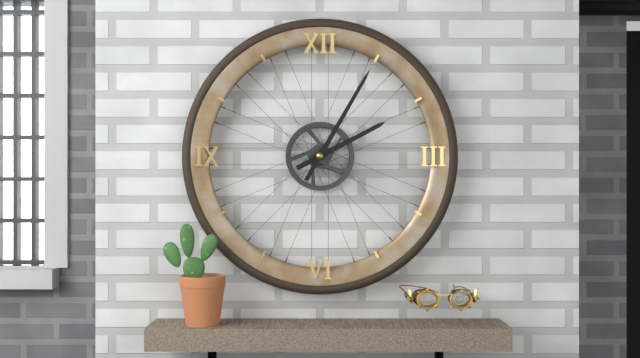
**2:05**
